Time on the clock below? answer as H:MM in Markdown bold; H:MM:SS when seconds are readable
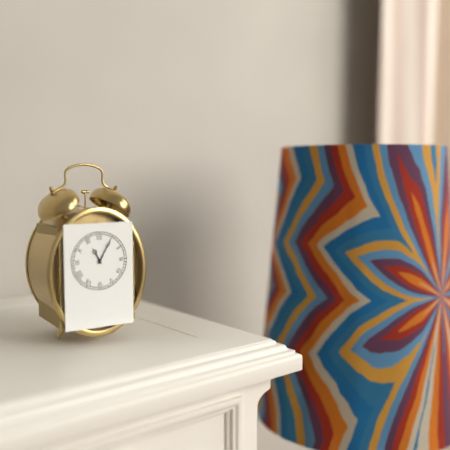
**11:05**
